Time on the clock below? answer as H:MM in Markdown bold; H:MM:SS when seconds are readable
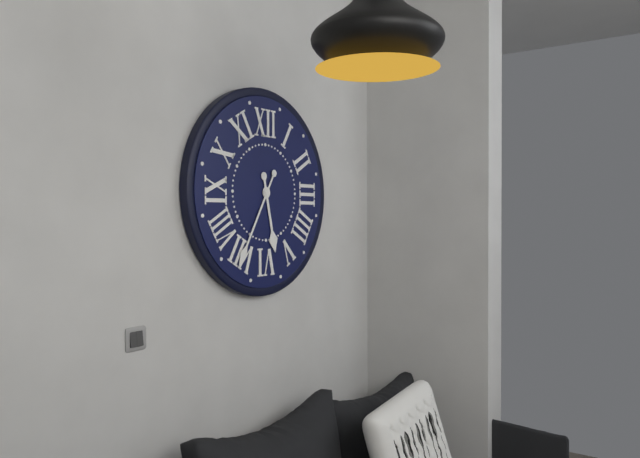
**5:35**
